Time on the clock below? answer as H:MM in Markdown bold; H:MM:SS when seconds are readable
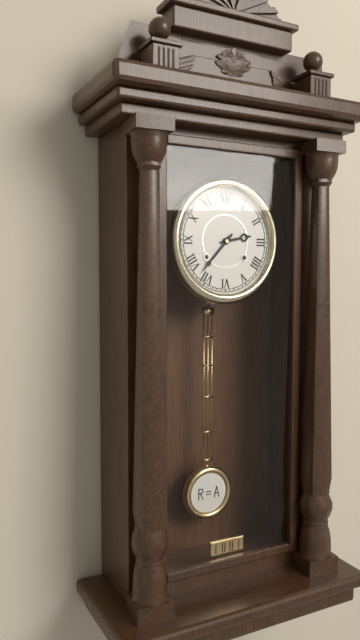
**2:37**
